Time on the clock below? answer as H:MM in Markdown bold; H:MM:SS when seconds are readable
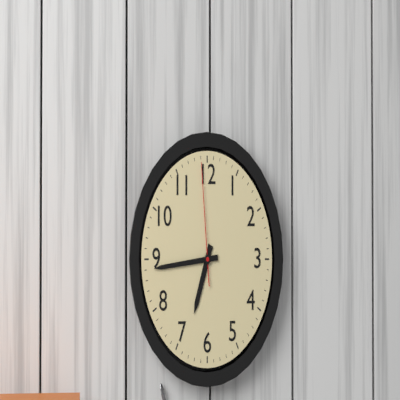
**6:44:59**
